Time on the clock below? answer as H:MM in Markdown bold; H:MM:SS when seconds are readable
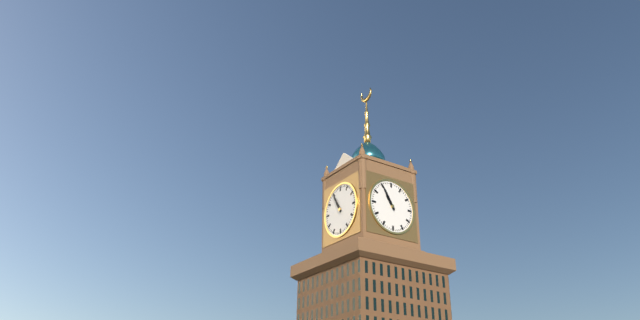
**10:55**
